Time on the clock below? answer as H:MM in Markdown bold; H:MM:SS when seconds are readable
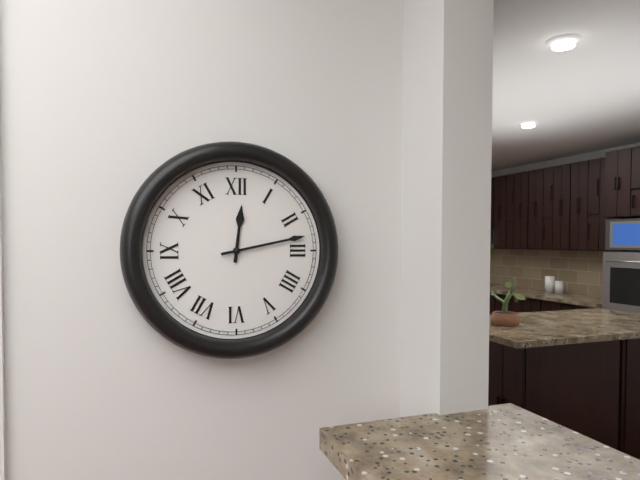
**12:13**
